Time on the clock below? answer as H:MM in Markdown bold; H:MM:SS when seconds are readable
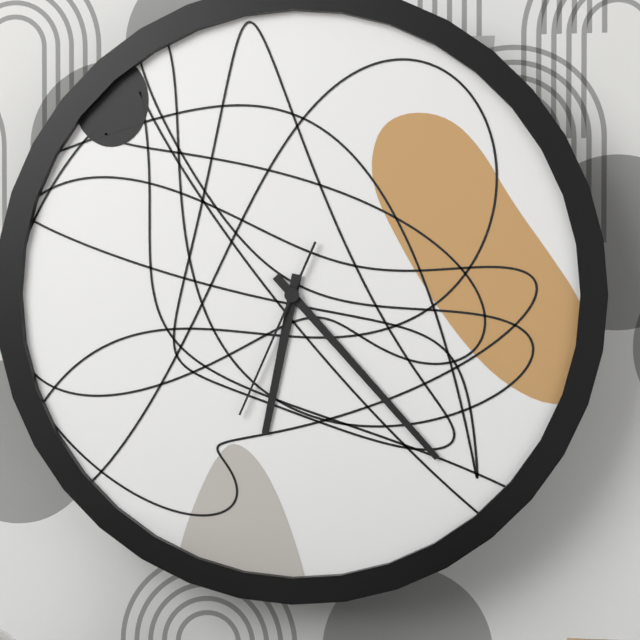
**6:23:34**
